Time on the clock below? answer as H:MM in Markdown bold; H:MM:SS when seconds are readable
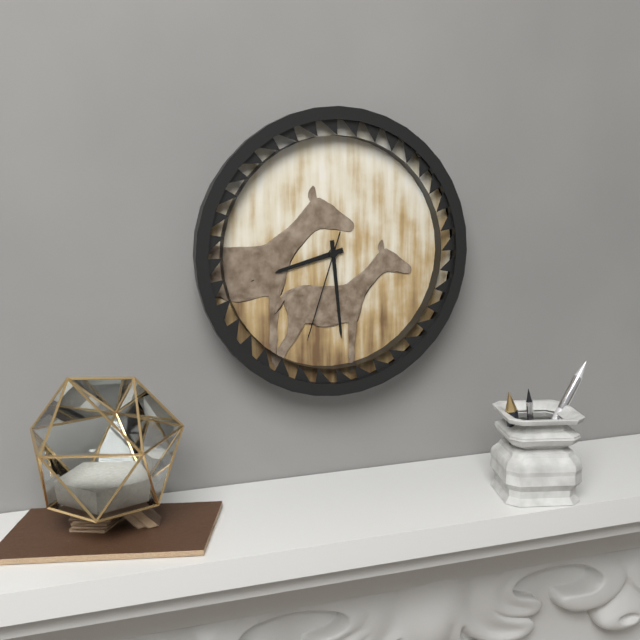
**8:29:33**
